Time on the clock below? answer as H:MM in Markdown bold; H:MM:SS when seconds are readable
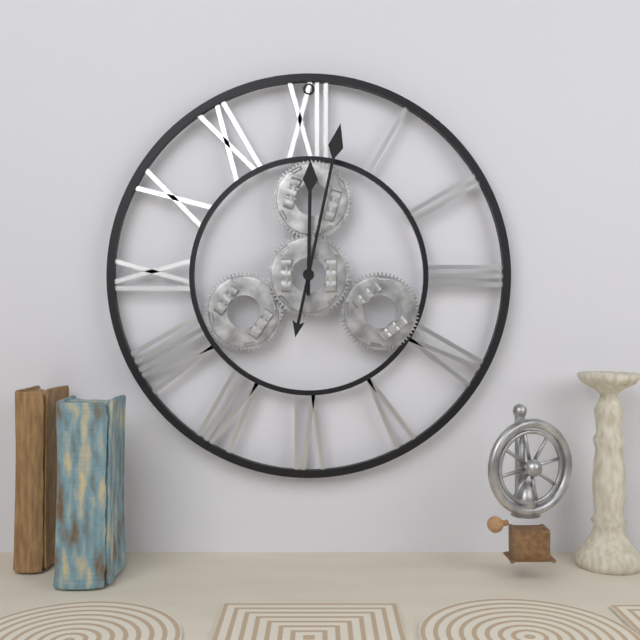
**12:02**
